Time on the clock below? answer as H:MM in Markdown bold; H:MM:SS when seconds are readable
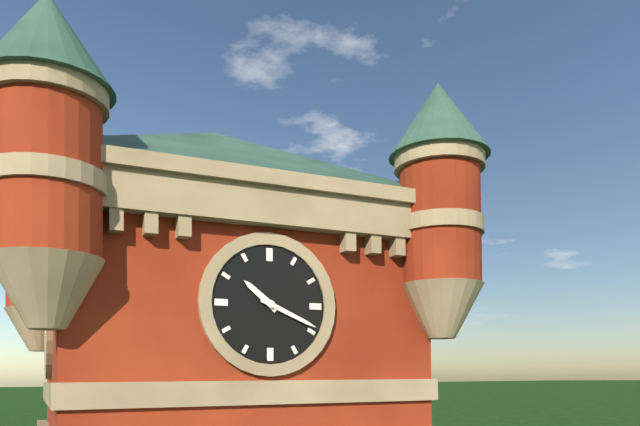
**10:19**
